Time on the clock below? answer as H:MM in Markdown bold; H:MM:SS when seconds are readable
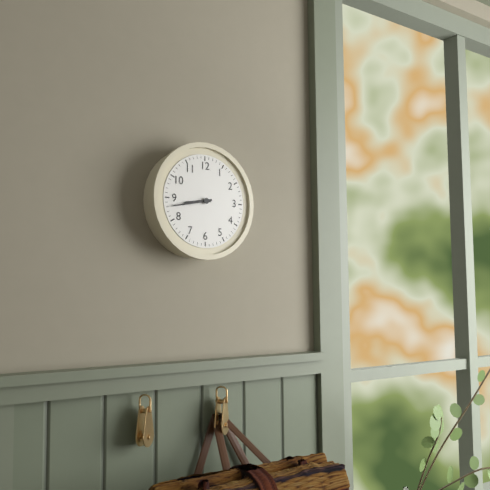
**8:43**
